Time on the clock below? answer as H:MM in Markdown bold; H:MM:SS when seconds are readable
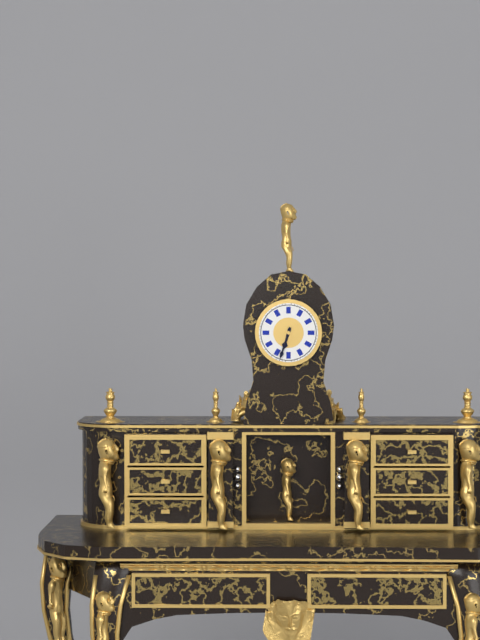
**6:33**
